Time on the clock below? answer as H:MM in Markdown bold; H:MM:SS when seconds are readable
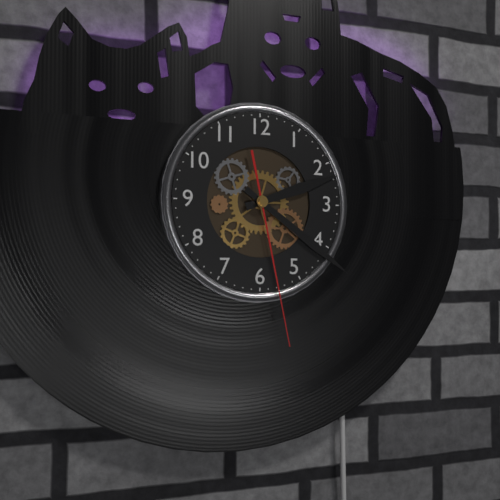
**2:21:28**
